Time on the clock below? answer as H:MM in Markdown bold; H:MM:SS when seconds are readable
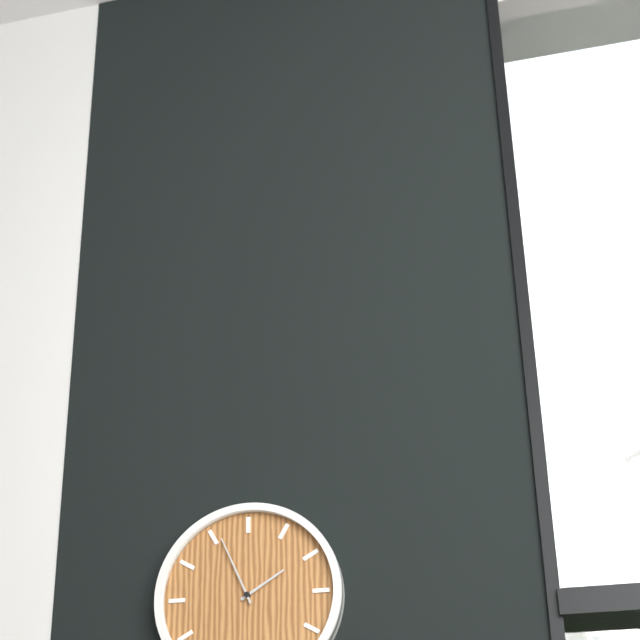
**1:56**
